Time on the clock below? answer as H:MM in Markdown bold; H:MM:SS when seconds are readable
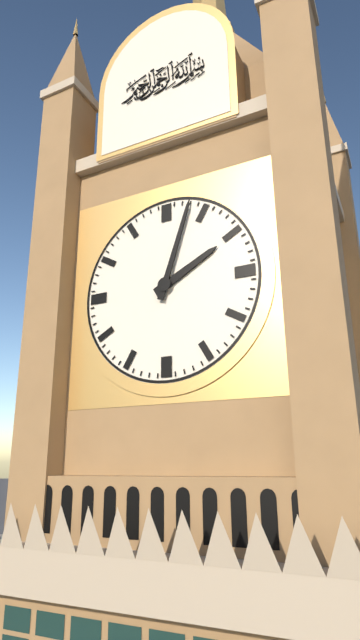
**2:03**
